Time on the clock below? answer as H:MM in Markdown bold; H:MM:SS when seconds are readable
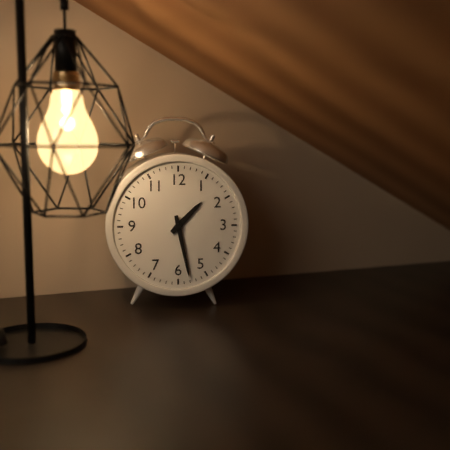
**1:28**
